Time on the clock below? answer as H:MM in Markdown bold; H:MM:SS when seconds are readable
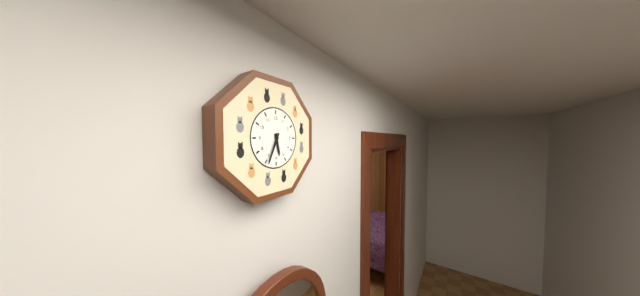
**5:34**
